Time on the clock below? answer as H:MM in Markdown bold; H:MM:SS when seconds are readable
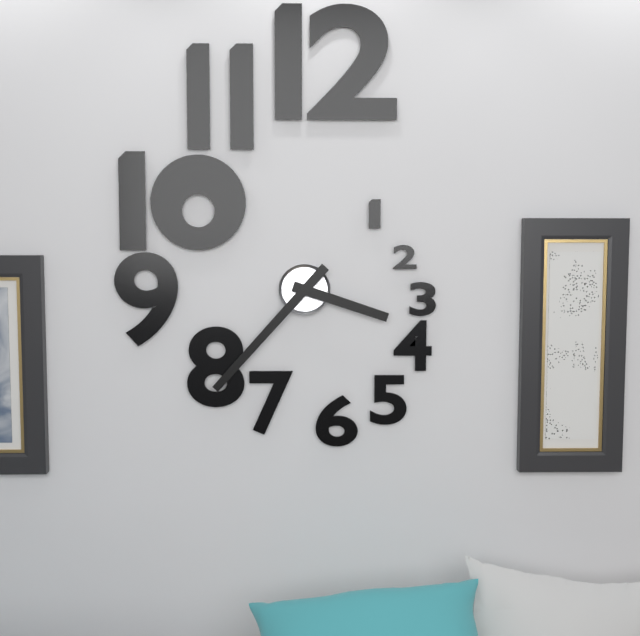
**3:37**
